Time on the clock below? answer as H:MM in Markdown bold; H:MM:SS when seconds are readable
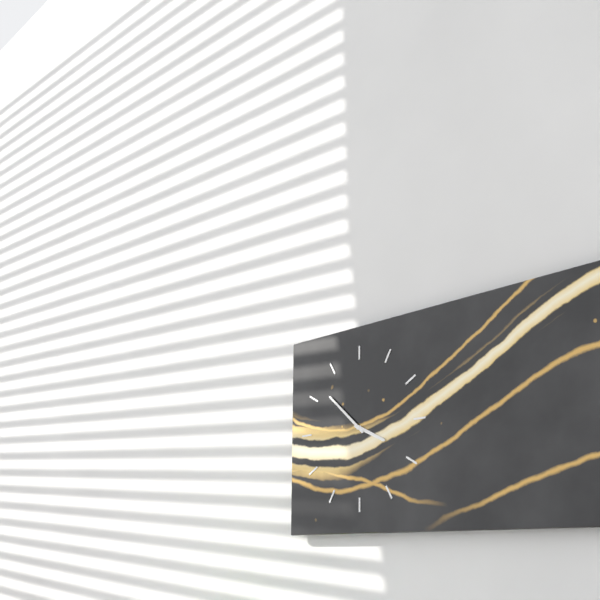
**3:52**
